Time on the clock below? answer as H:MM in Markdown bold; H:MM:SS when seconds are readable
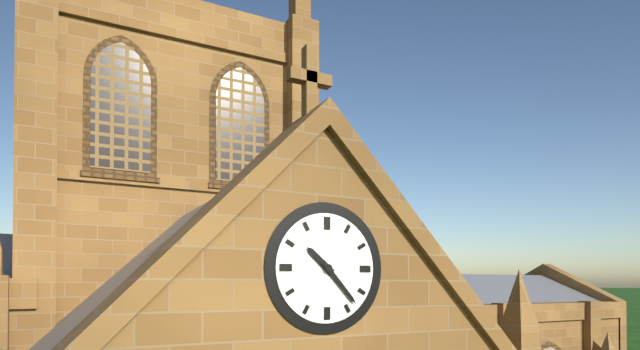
**10:23**
